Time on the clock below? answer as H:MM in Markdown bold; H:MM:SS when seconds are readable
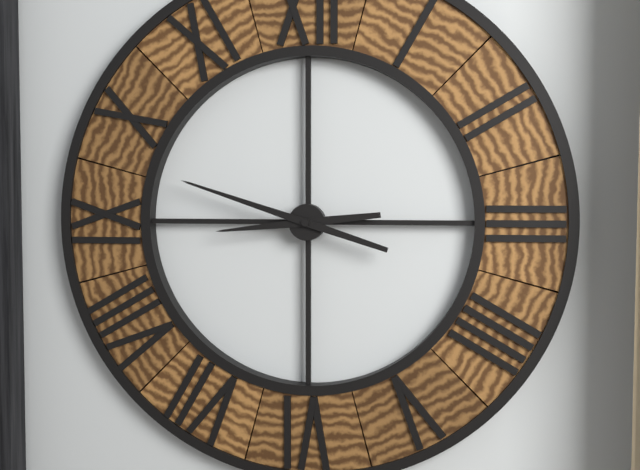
**8:48**
